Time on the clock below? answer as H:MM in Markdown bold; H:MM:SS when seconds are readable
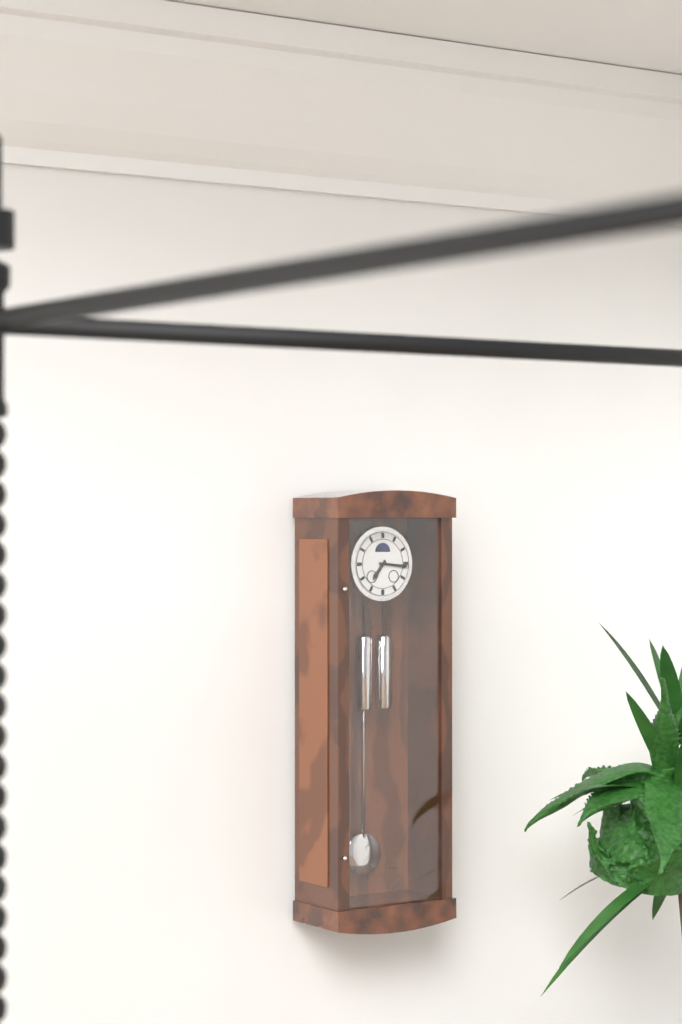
**7:16**
